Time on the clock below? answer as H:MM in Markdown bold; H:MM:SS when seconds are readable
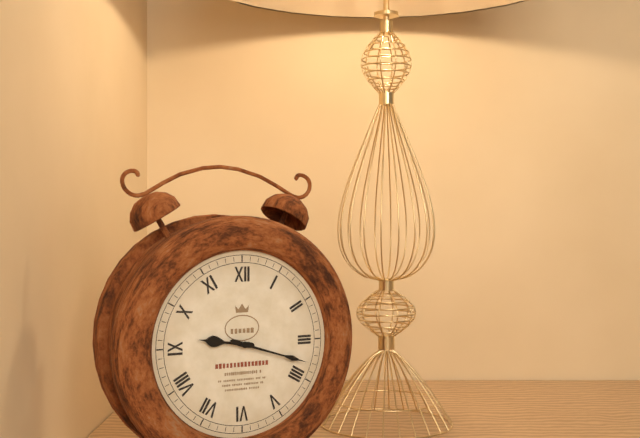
**9:18**
